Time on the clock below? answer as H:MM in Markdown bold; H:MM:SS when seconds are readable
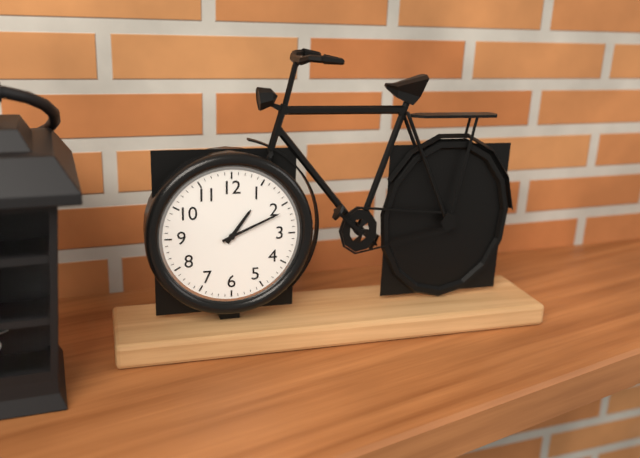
**1:11**
